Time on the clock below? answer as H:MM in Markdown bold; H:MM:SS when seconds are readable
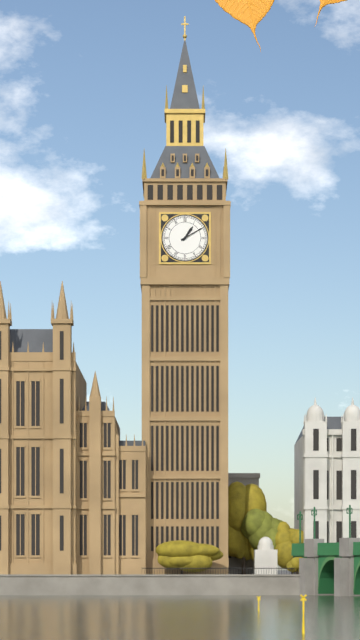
**1:10**
